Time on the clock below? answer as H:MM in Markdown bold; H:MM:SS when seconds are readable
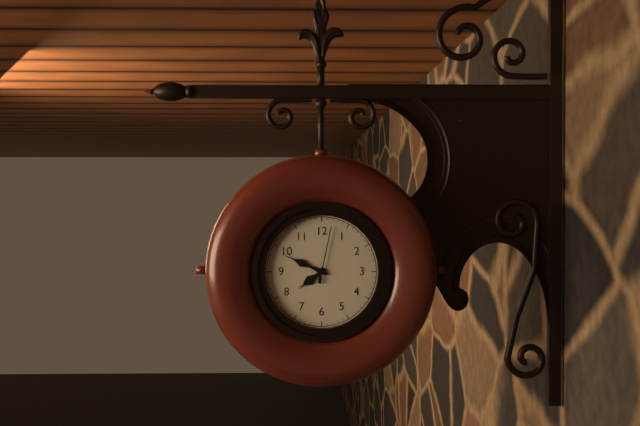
**7:49:02**
